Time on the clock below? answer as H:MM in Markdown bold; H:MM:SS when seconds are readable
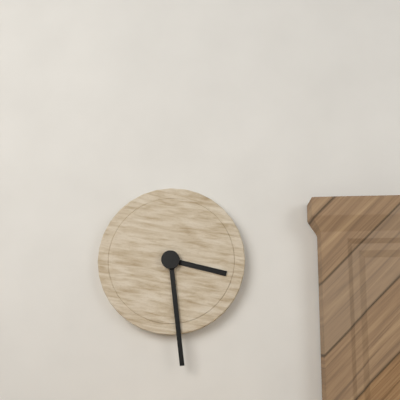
**3:29**
